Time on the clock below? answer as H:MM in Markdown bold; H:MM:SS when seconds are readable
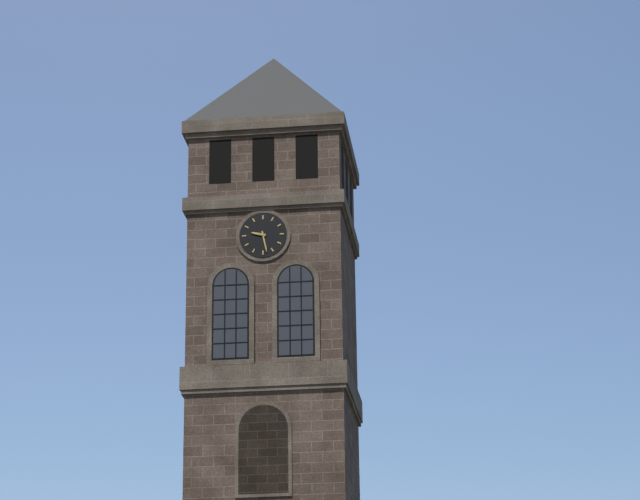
**9:28**
